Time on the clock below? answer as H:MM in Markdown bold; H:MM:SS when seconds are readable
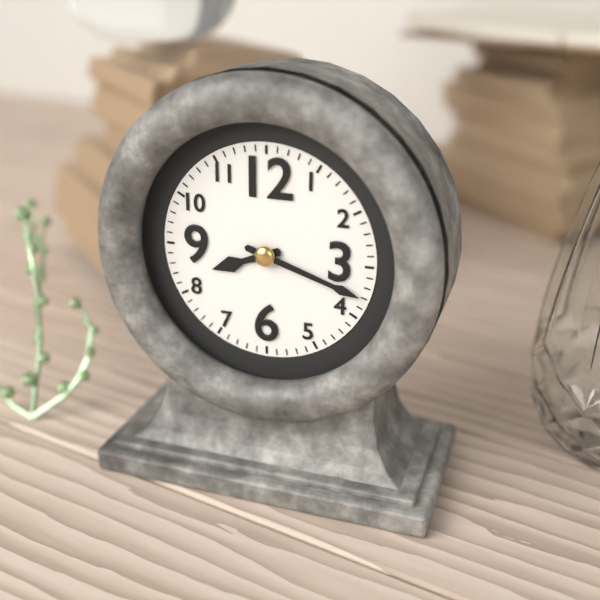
**8:18**
